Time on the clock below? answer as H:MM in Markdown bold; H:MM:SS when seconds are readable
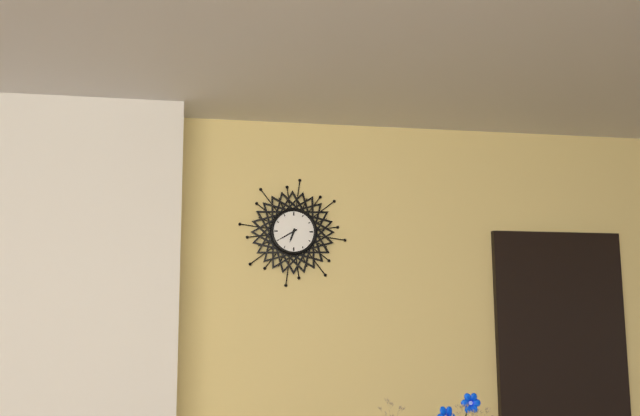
**6:40**
